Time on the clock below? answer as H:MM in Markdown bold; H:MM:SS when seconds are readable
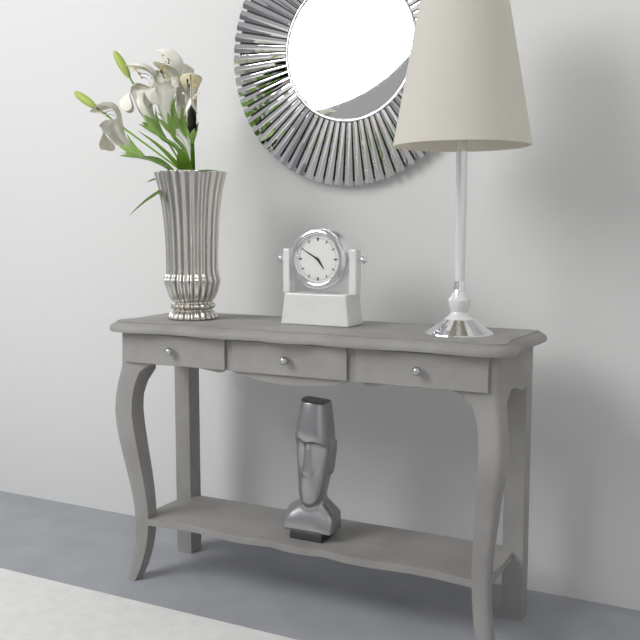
**4:50**
